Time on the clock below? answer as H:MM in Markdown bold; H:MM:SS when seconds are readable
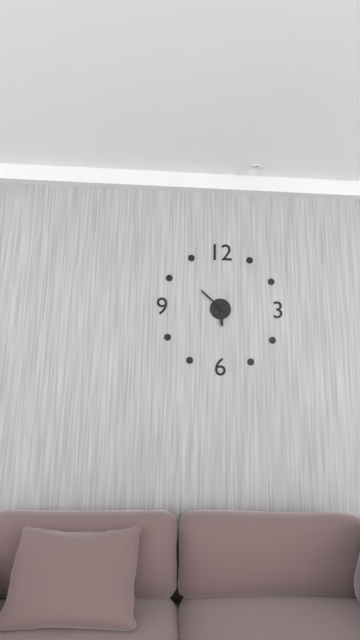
**5:52**
